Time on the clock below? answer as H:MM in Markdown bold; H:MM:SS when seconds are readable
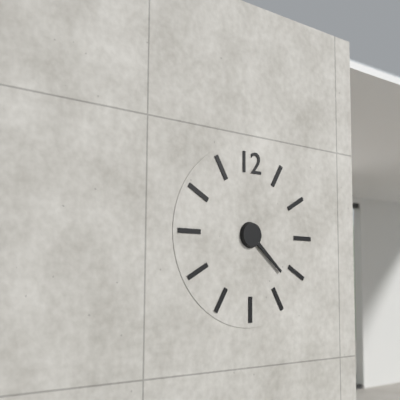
**4:22**
